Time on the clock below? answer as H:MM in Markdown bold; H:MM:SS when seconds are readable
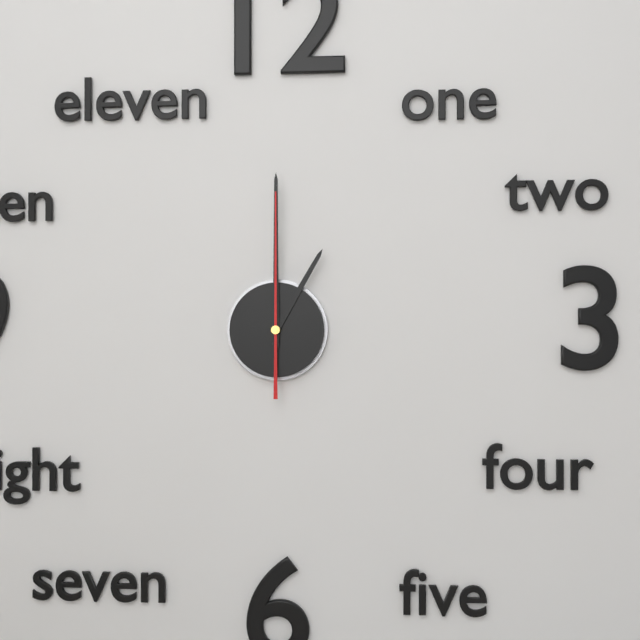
**1:00:00**
